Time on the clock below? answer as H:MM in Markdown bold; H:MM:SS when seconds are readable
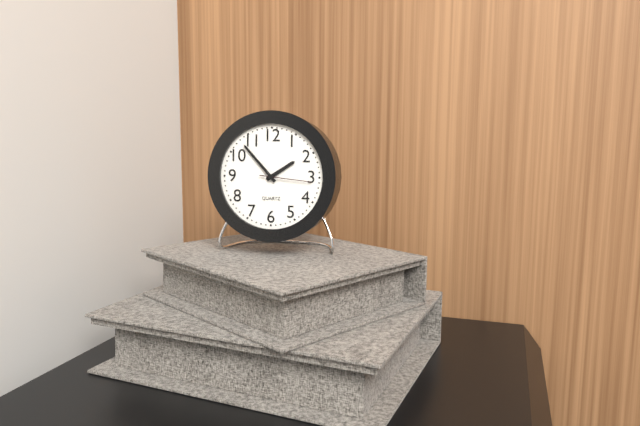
**1:53:16**
